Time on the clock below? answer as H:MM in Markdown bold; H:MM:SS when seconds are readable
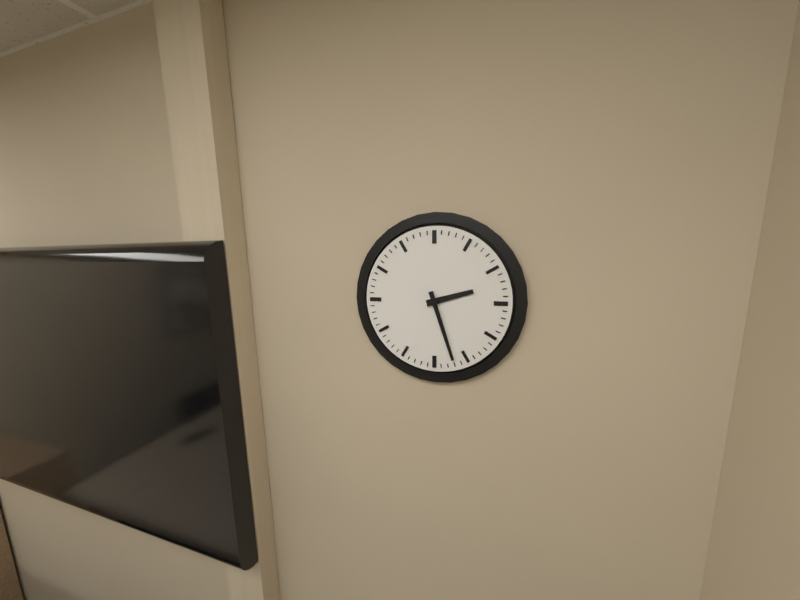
**2:27**
